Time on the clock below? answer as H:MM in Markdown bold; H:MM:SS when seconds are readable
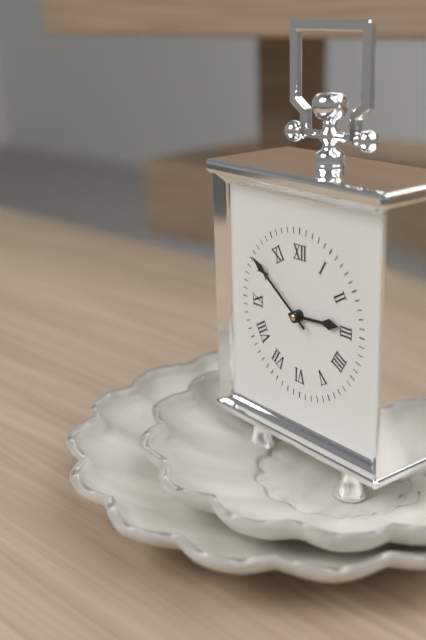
**2:51**
